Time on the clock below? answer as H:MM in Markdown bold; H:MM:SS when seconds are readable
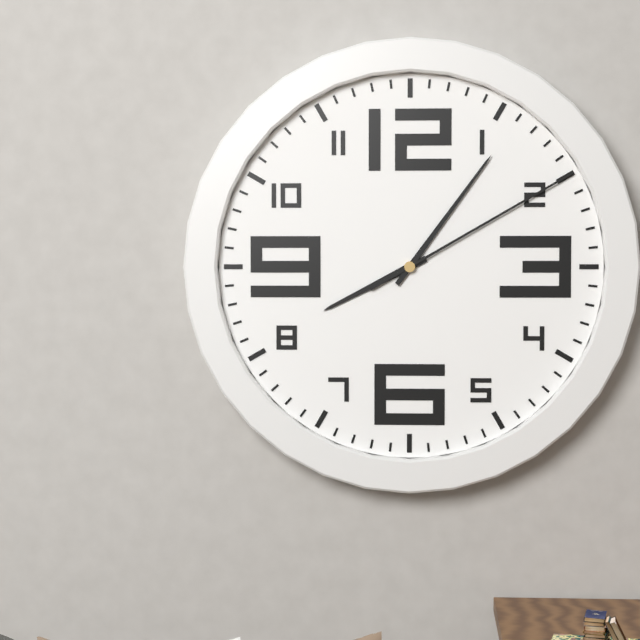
**8:06:10**
